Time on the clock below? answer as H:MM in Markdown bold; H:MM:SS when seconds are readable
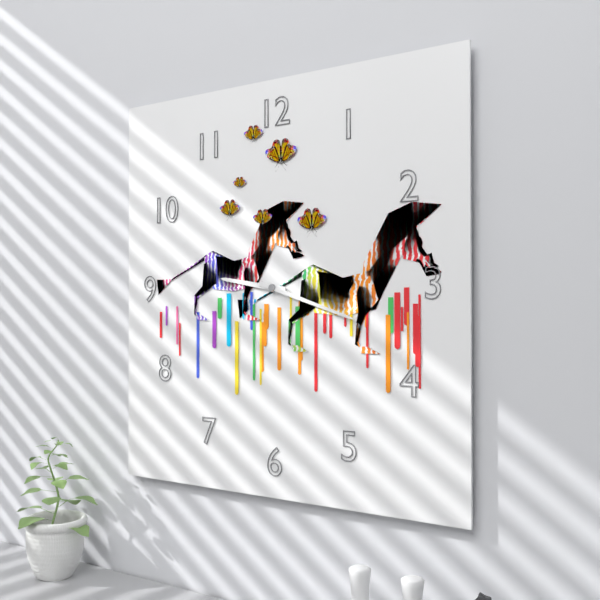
**9:18**
